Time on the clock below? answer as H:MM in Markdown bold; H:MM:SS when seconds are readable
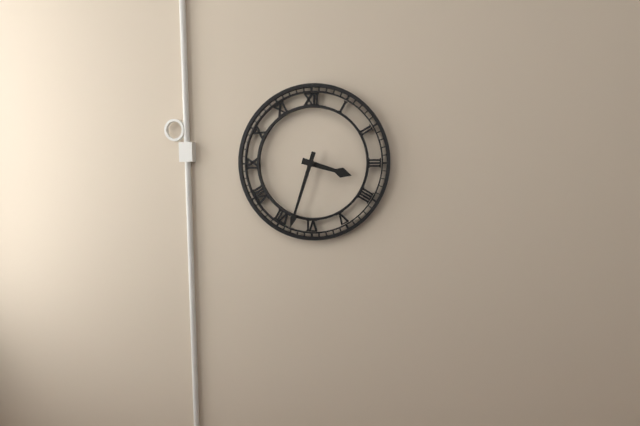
**3:33**
